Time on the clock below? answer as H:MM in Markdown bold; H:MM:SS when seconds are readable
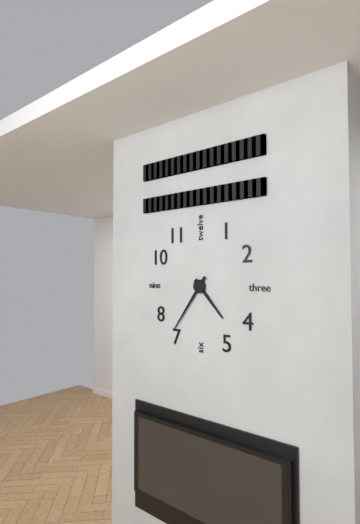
**4:36**
